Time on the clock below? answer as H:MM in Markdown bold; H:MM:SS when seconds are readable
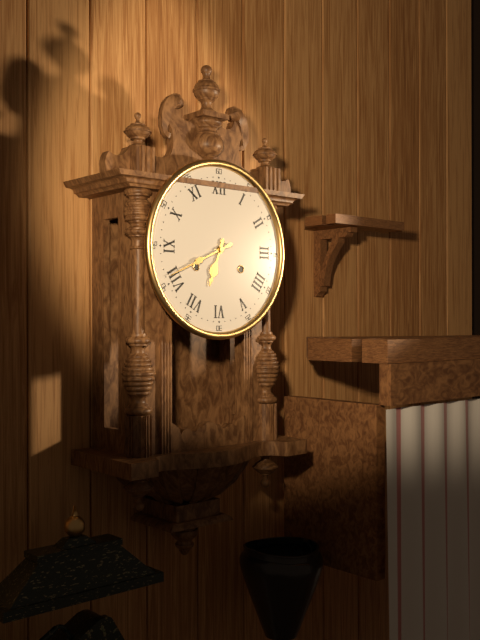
**6:41**
